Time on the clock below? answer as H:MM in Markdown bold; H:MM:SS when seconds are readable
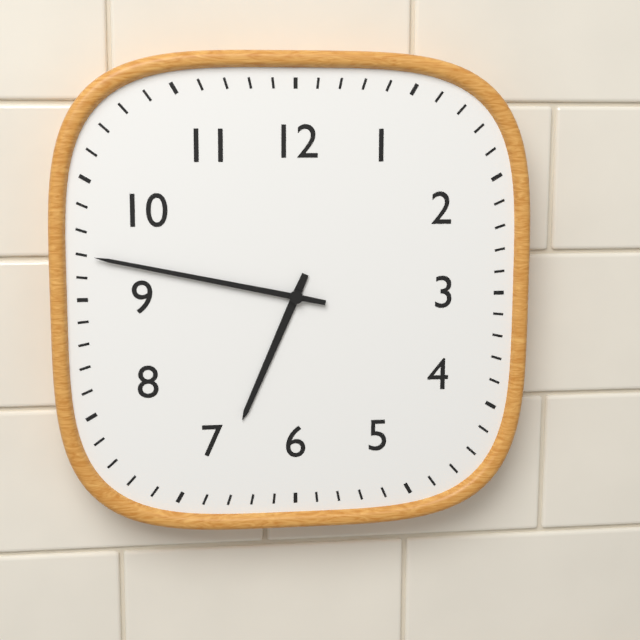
**6:47**
